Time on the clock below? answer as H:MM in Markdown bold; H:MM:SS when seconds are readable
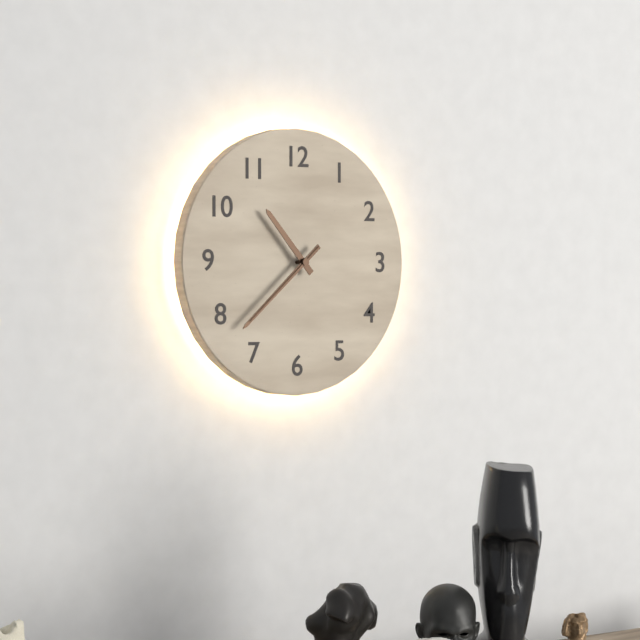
**10:38:38**
